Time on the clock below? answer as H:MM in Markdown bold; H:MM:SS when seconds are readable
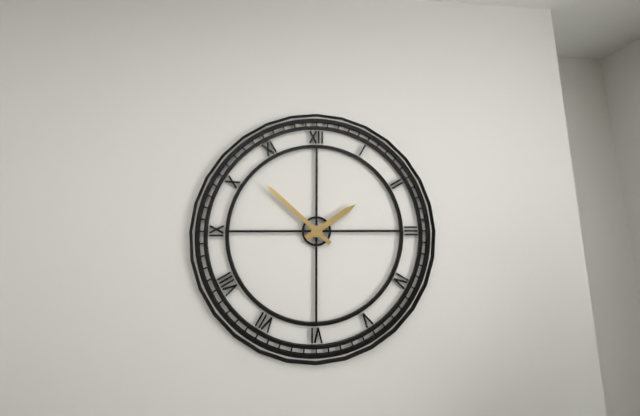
**1:52**
